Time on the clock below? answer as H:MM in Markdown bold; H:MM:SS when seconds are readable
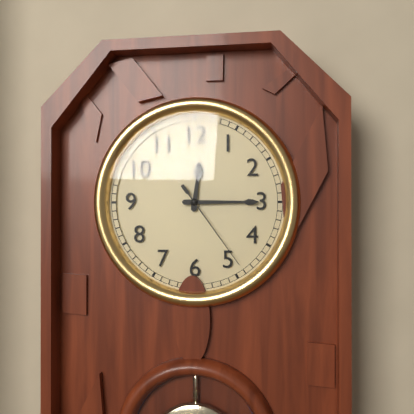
**12:15:24**
